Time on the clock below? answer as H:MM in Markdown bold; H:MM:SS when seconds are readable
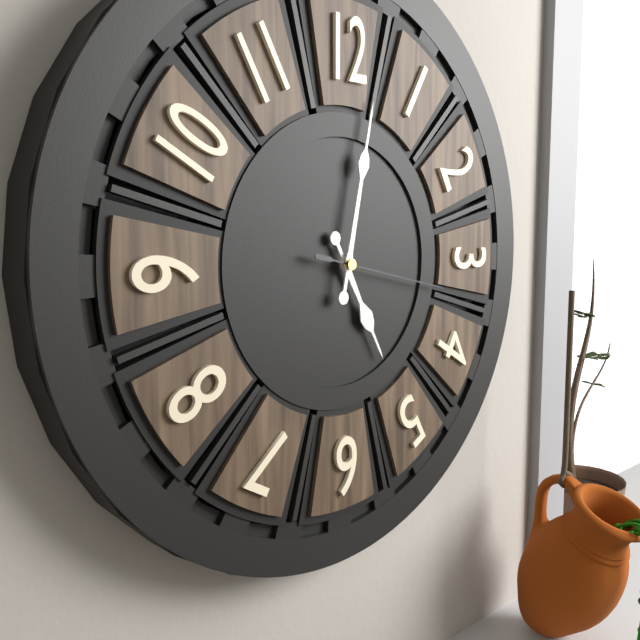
**5:02:17**
